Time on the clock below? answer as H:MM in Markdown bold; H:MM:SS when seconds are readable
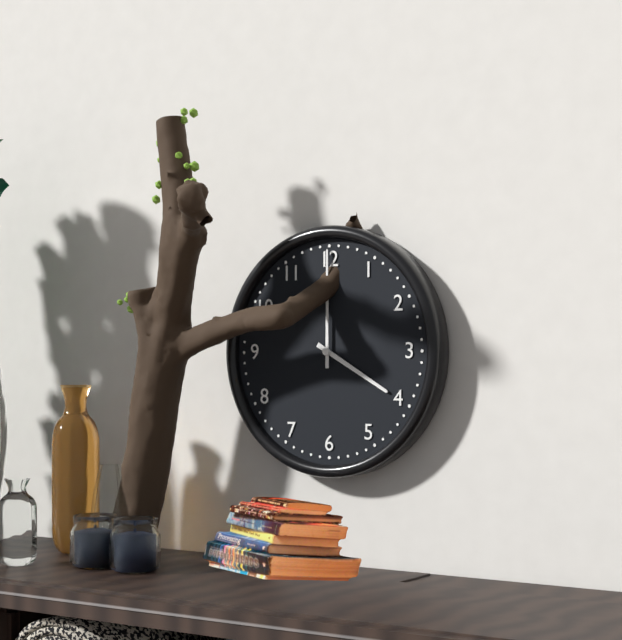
**4:00**
